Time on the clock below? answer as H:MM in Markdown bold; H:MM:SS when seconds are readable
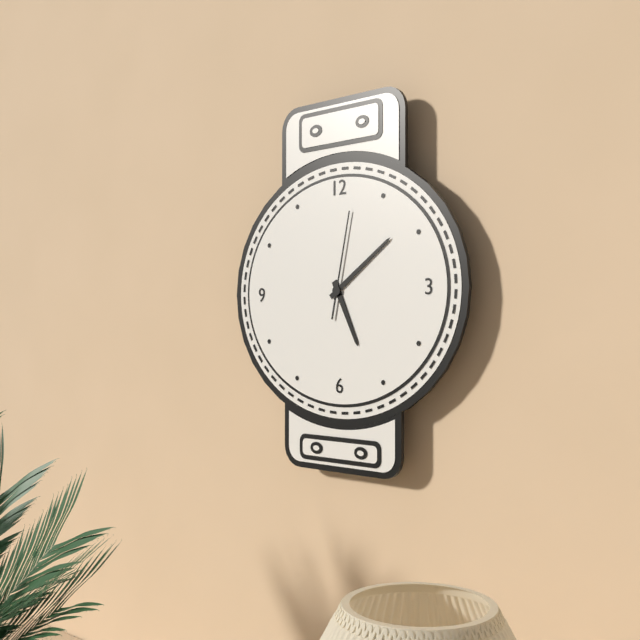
**5:09:02**
